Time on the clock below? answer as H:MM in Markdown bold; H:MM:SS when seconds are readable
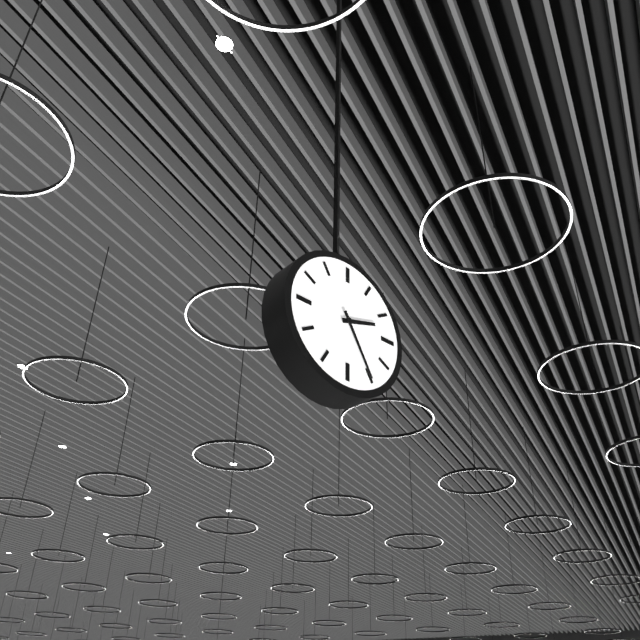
**2:25**
